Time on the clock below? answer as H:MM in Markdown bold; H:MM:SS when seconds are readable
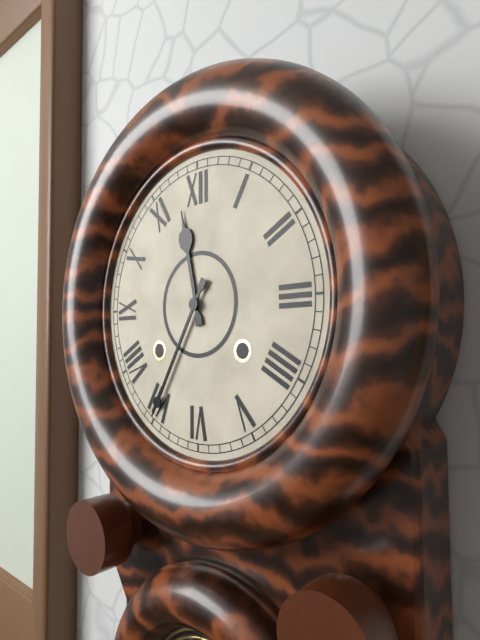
**11:35**
